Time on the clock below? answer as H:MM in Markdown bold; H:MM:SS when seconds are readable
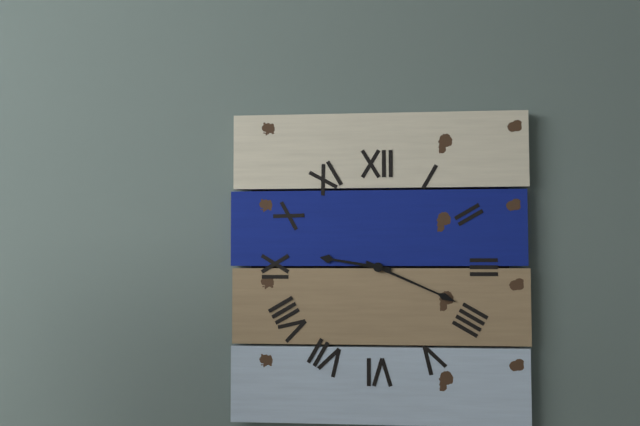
**9:19**
